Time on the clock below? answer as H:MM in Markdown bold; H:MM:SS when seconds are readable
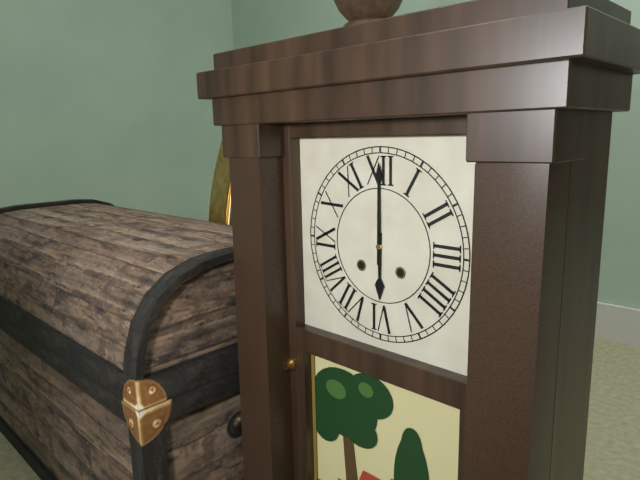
**6:00**
